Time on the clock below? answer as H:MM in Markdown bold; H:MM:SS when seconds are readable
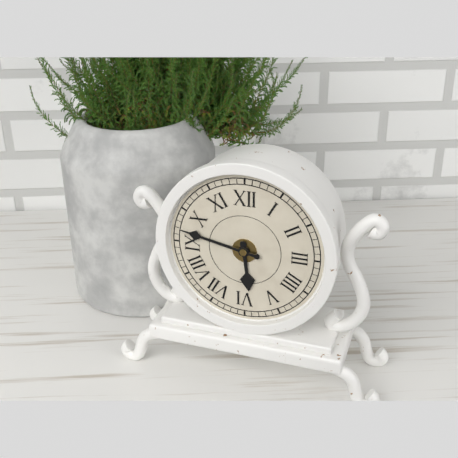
**5:47**
